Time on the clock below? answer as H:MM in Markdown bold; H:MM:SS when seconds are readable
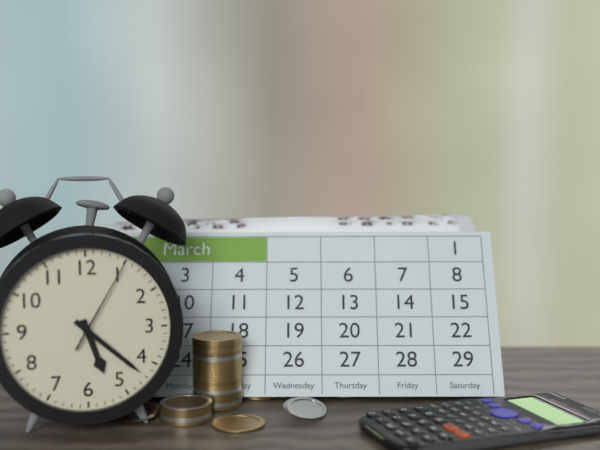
**5:22:05**
